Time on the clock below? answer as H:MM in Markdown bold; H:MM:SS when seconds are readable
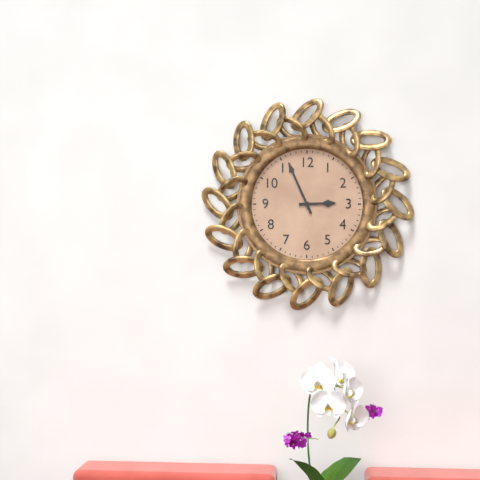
**2:56**
